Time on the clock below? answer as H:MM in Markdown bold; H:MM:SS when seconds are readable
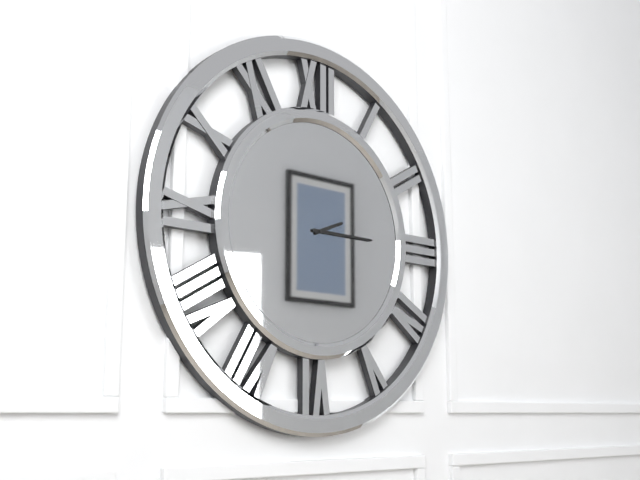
**2:15**
